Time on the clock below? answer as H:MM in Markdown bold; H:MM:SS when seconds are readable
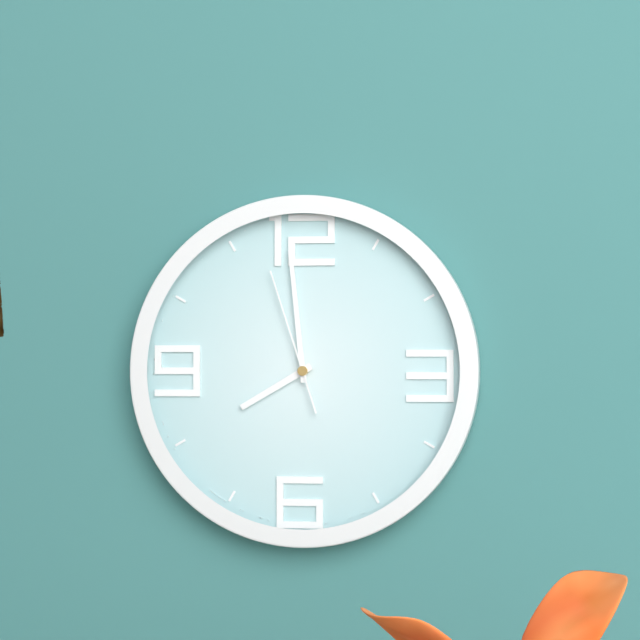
**7:59:57**
